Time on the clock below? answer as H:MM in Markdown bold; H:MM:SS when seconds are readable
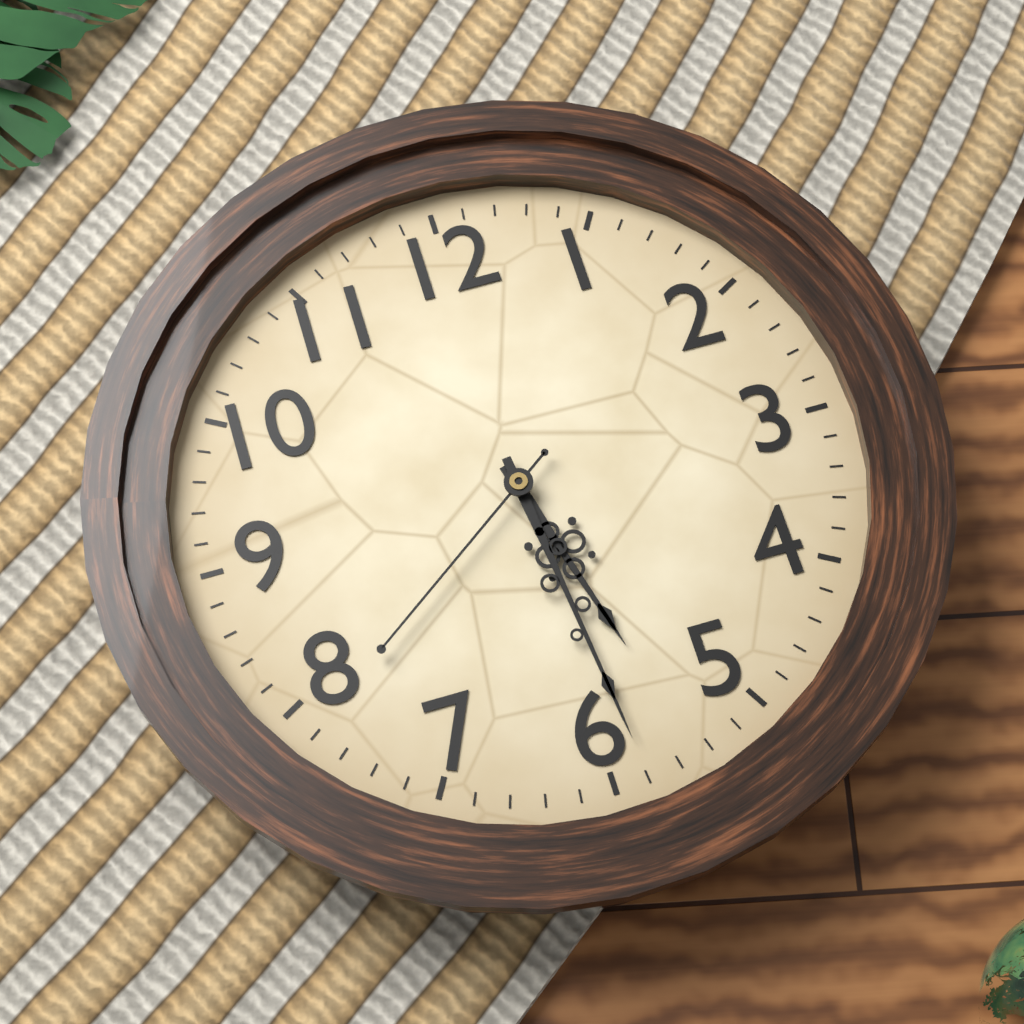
**5:29:39**
